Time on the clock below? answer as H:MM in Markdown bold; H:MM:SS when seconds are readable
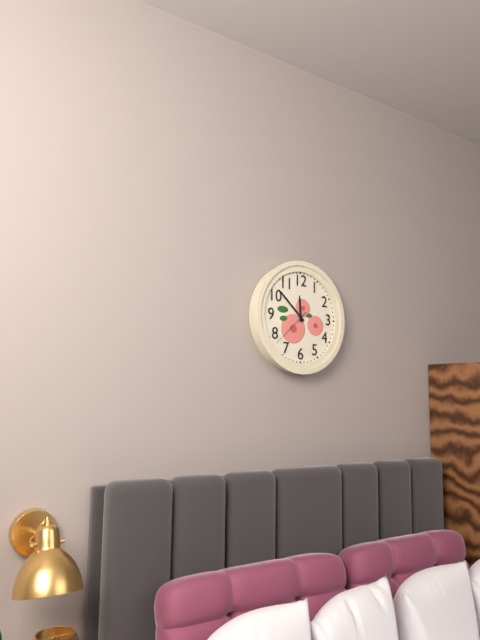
**11:52**
